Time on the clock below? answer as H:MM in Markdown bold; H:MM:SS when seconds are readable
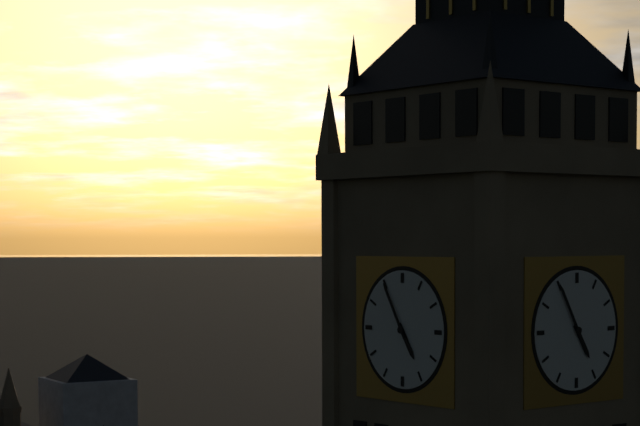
**4:55**
